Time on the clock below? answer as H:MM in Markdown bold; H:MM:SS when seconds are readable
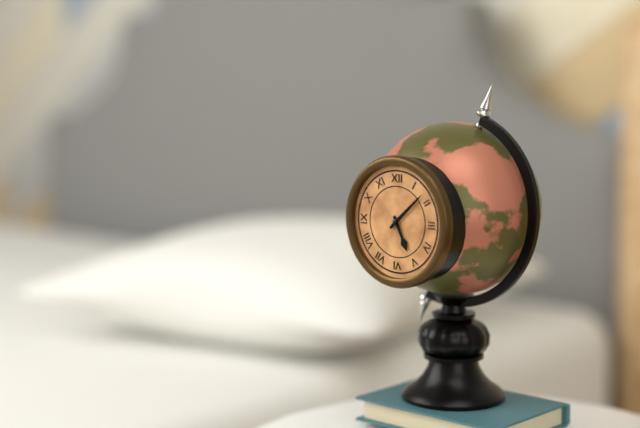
**5:08**
